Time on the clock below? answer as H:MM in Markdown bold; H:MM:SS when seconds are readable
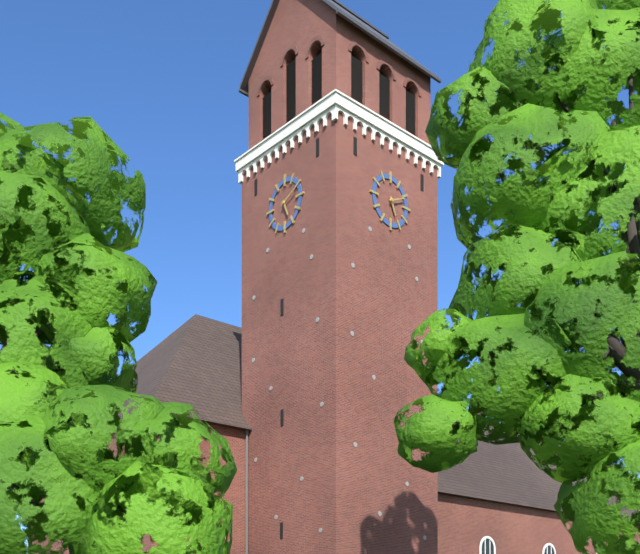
**5:11**
